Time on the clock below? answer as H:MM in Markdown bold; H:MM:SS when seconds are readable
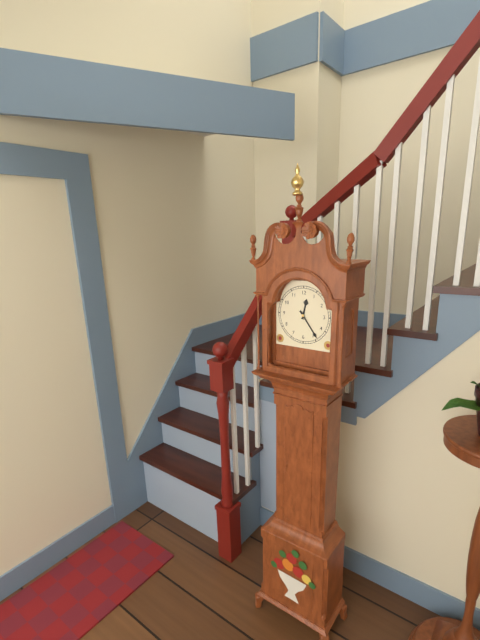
**12:24**
